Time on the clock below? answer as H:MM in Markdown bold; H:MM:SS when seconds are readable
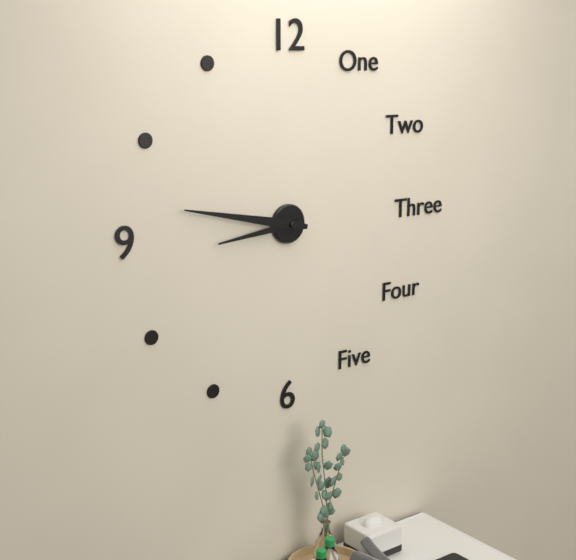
**8:47**
